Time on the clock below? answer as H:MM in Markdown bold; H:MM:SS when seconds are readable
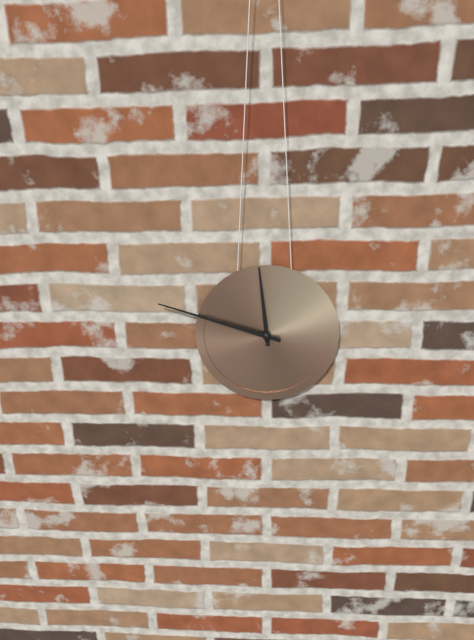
**11:48**
